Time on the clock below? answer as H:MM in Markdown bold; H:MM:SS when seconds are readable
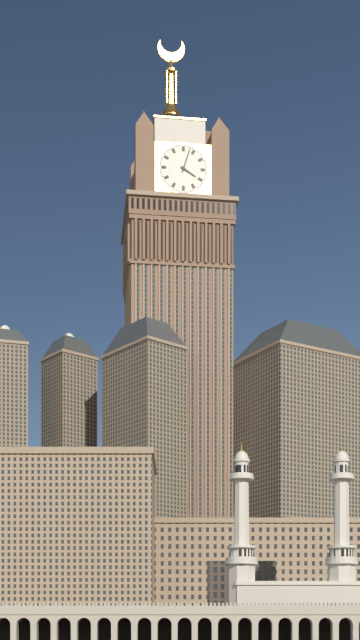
**4:03**
